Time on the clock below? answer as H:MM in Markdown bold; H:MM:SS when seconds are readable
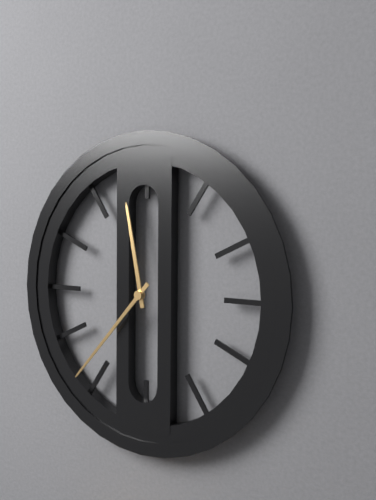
**11:37**
